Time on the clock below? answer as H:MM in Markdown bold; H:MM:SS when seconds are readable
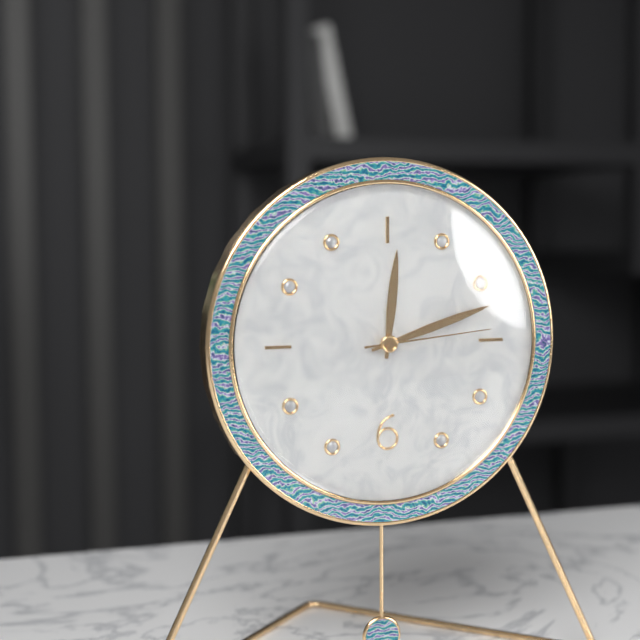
**12:12:14**
